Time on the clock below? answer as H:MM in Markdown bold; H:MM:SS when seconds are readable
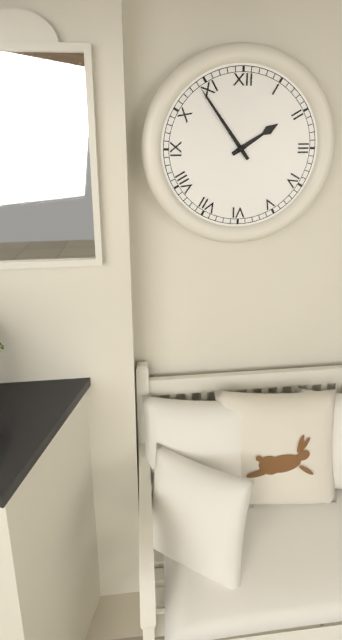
**1:54**
